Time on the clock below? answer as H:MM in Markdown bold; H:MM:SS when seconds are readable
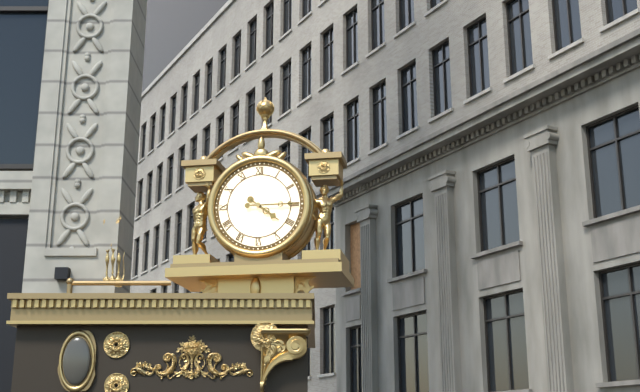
**4:15**
